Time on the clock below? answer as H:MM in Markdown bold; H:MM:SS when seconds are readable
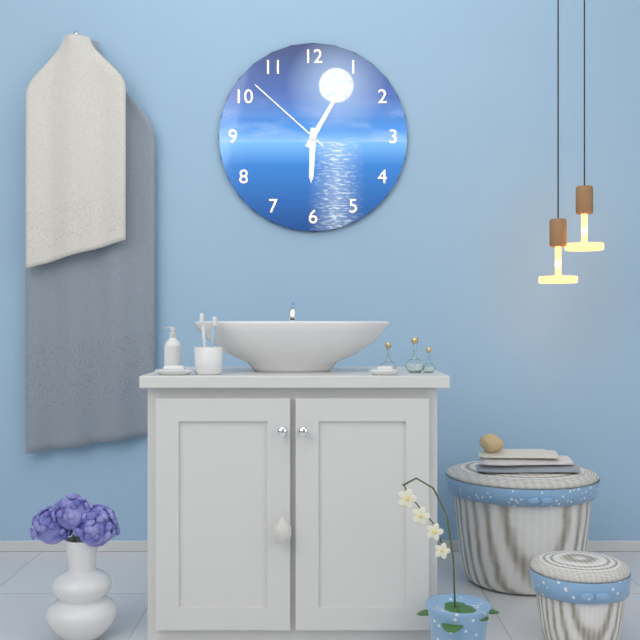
**6:05:52**
